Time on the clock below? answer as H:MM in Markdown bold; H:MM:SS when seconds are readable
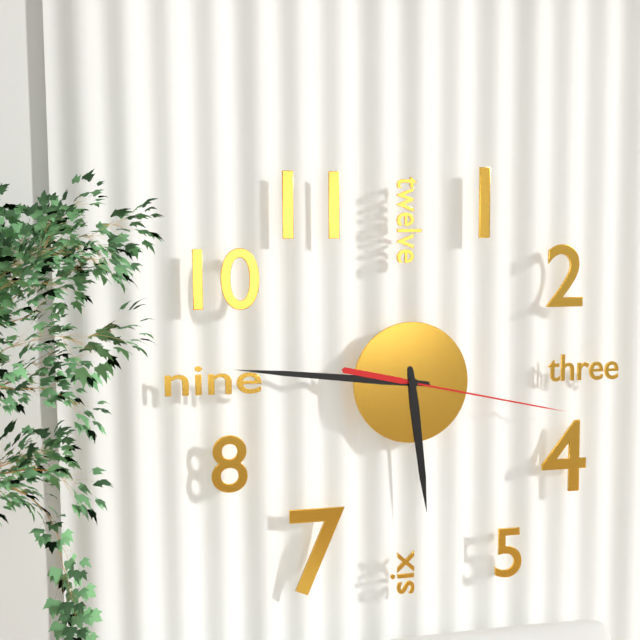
**5:46:17**
